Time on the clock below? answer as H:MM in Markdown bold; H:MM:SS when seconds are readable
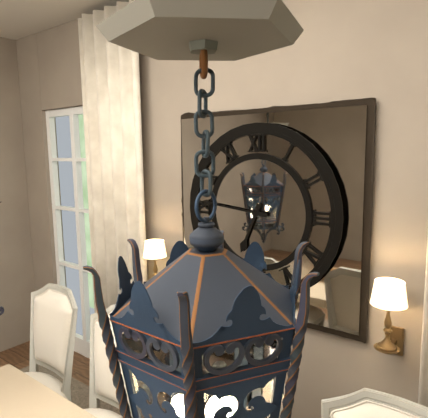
**6:46**
